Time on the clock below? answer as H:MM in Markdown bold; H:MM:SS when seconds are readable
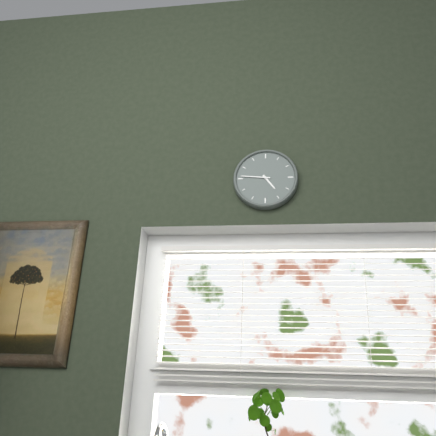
**4:46**
